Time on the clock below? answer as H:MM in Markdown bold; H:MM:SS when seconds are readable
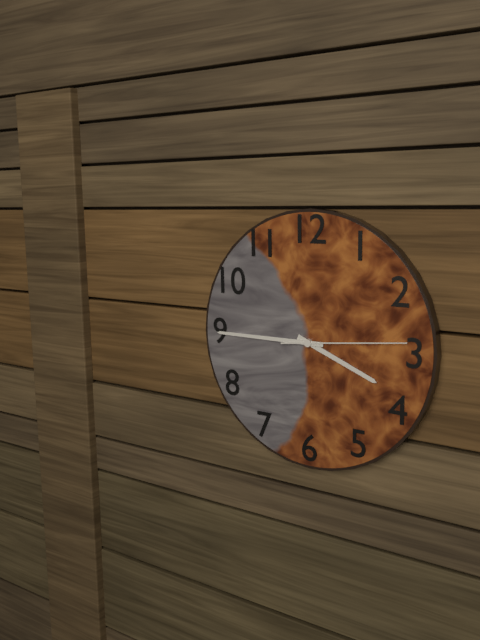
**3:45:14**
